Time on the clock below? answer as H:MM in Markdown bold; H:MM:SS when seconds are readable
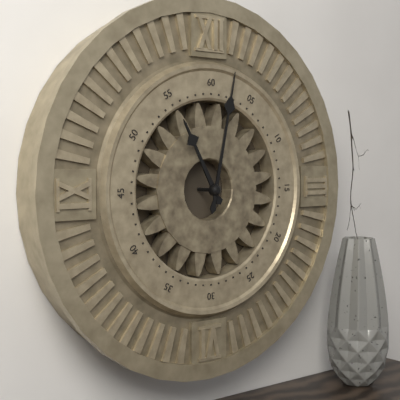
**11:02**
